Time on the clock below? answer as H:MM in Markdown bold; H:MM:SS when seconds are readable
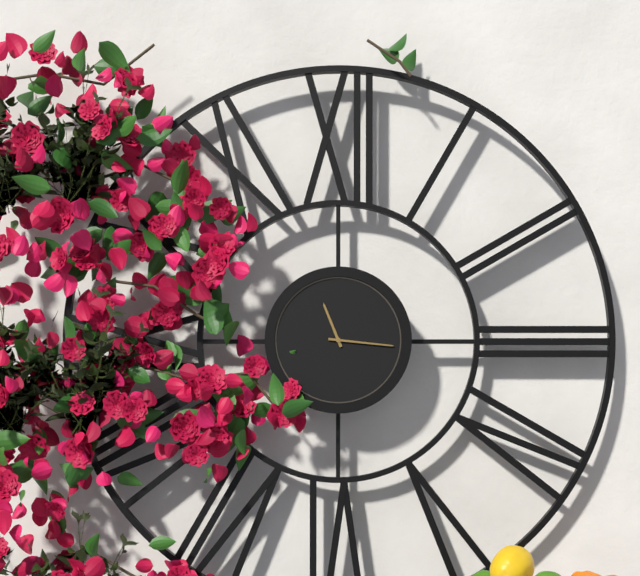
**11:16**
